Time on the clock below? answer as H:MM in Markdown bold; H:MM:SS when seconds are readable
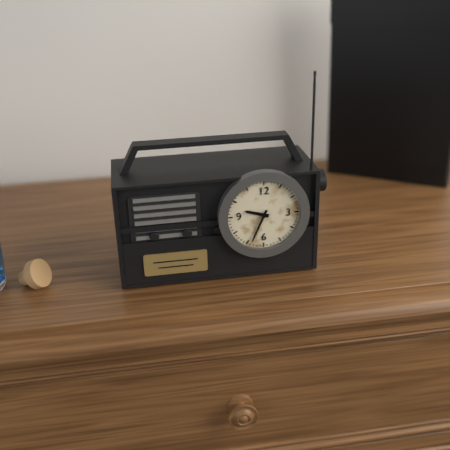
**9:34**
